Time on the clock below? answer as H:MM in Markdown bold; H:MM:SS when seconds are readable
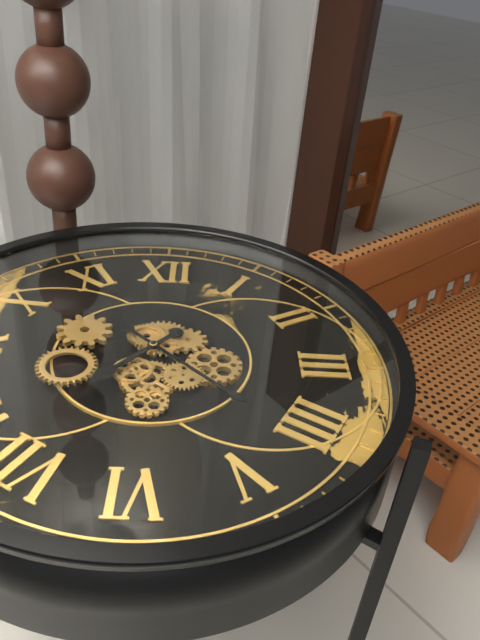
**7:22**
